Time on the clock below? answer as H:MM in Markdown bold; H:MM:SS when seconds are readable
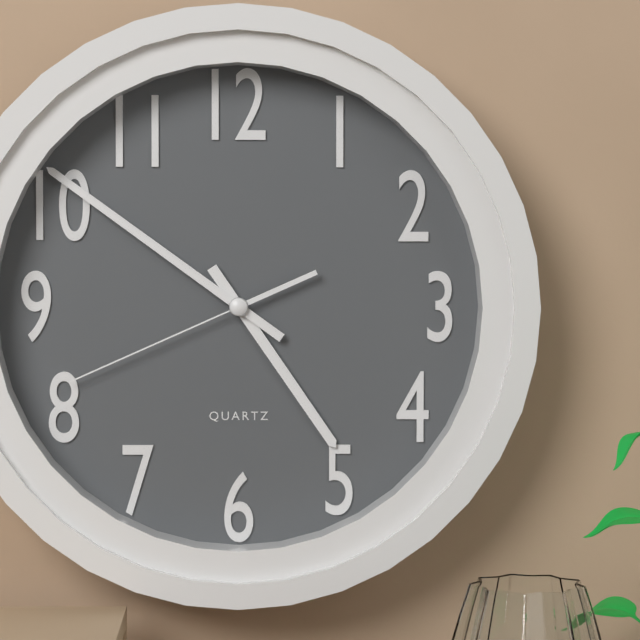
**4:51:41**
